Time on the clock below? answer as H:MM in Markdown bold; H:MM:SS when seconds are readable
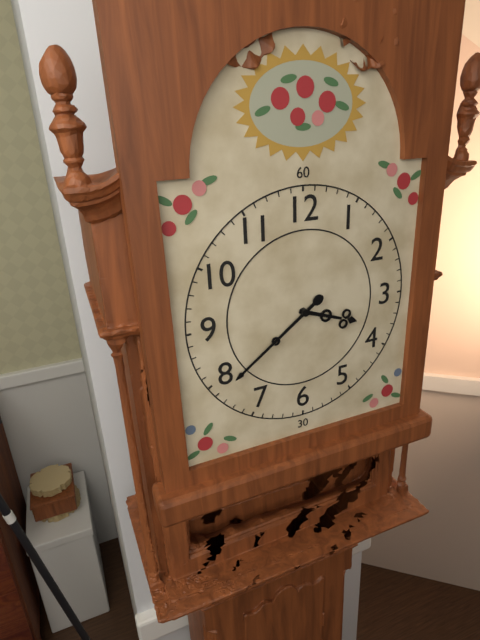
**3:39**
